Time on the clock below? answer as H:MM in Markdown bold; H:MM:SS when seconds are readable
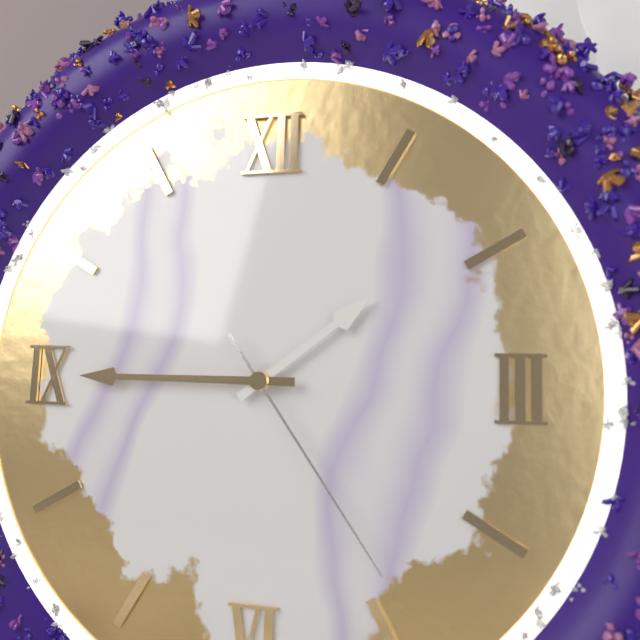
**1:45:24**
